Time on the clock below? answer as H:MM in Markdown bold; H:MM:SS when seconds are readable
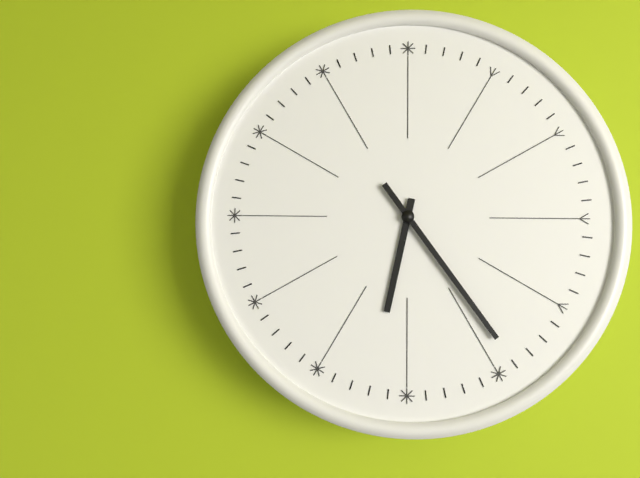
**6:24**
